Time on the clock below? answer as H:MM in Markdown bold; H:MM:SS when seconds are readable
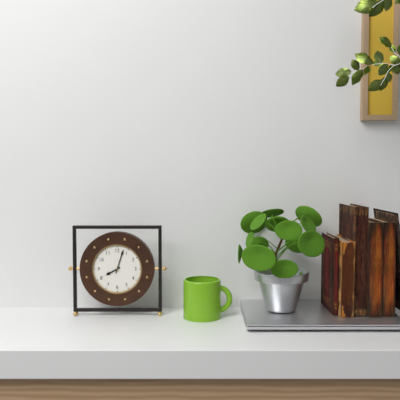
**8:03**
